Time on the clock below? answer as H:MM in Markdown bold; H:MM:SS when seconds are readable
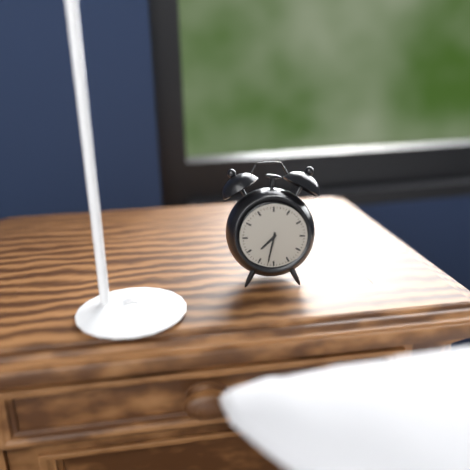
**7:32**
